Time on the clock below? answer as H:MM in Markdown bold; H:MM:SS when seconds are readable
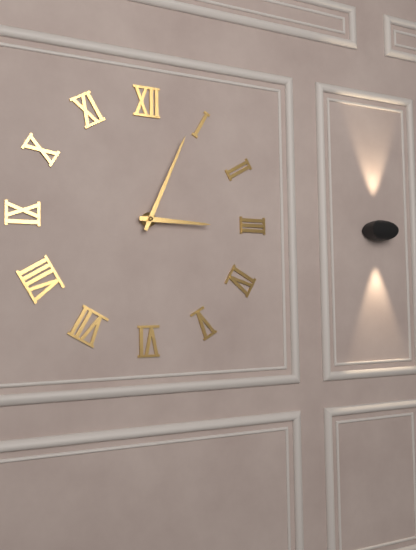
**3:04**
